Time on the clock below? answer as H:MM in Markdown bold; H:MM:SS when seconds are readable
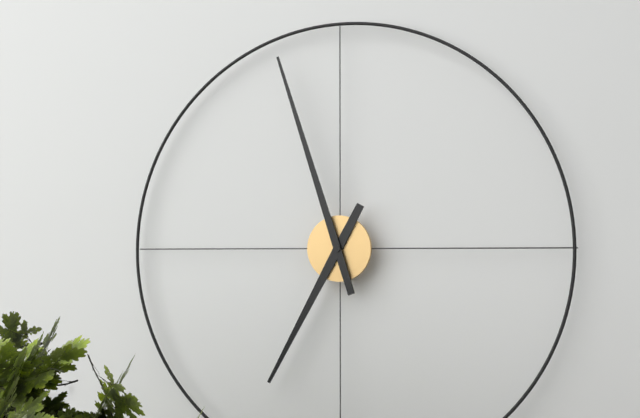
**6:57**
